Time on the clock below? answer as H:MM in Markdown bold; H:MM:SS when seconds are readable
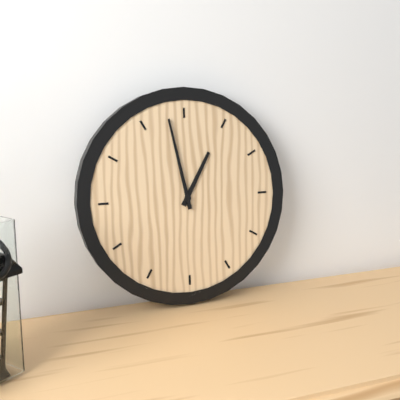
**12:58**
